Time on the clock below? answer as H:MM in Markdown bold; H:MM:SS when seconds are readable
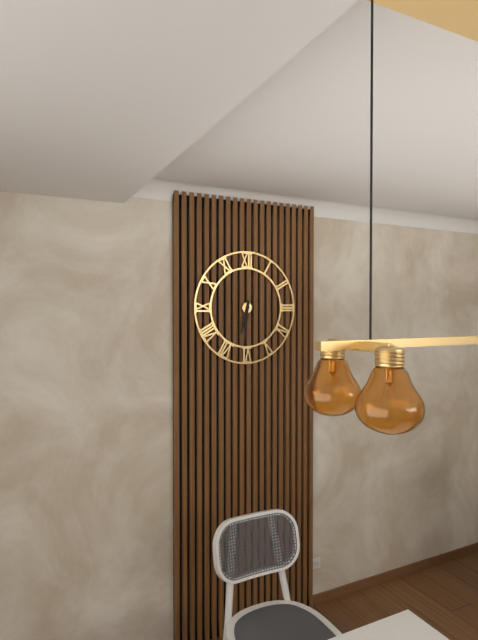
**6:31**
